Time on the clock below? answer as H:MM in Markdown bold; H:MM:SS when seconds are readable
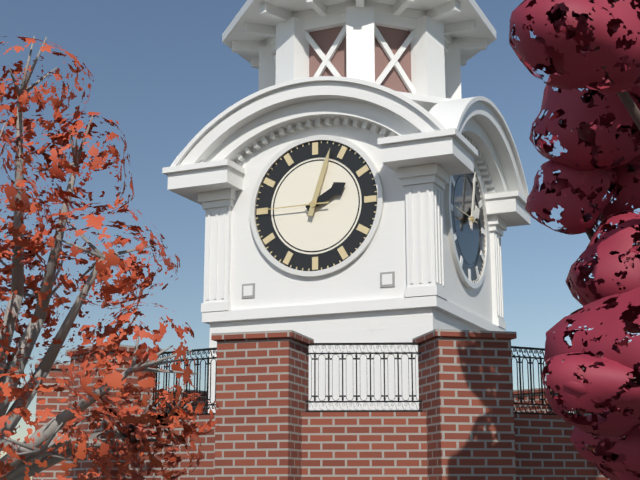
**2:03:45**
